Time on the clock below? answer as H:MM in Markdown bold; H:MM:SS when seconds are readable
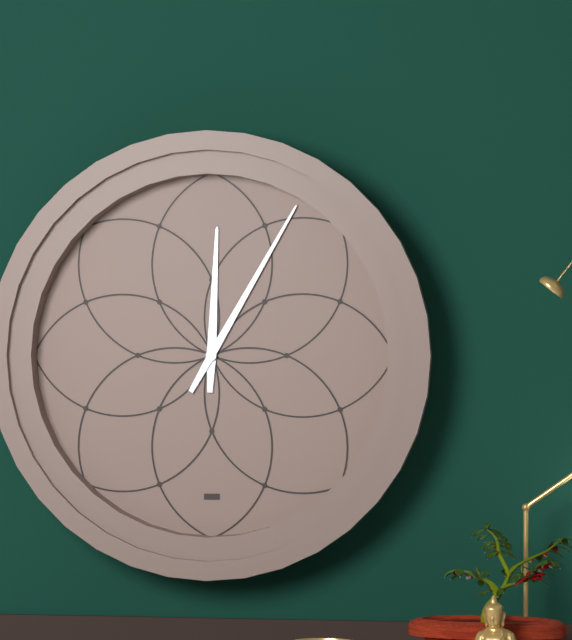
**12:05**
